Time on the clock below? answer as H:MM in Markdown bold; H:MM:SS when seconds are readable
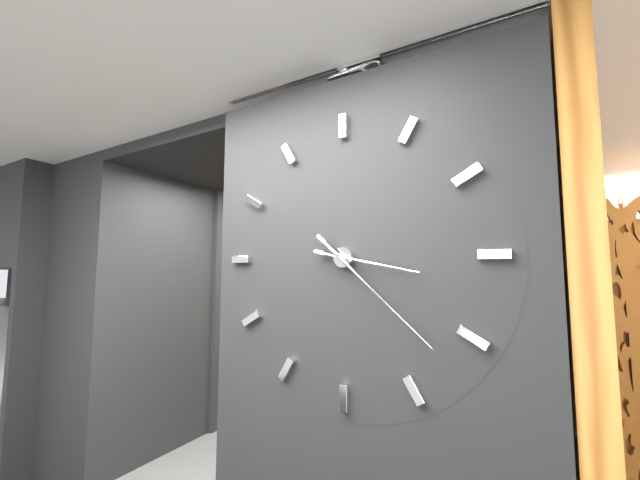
**3:22**
